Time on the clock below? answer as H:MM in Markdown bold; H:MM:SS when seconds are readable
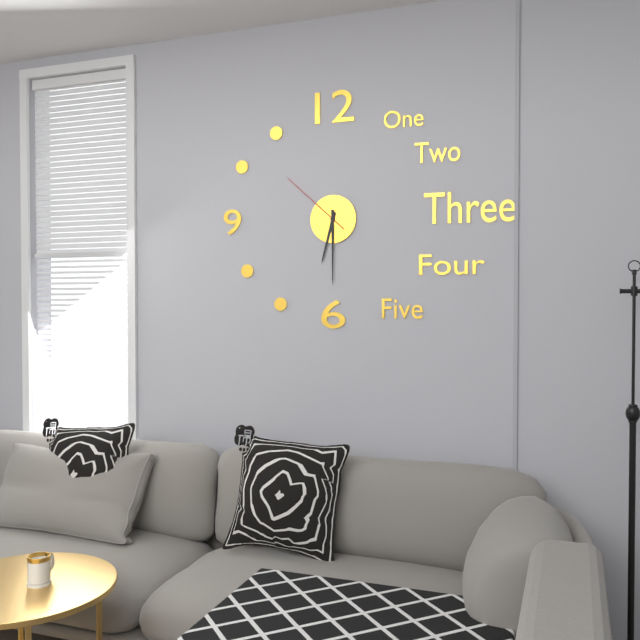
**6:30:52**
